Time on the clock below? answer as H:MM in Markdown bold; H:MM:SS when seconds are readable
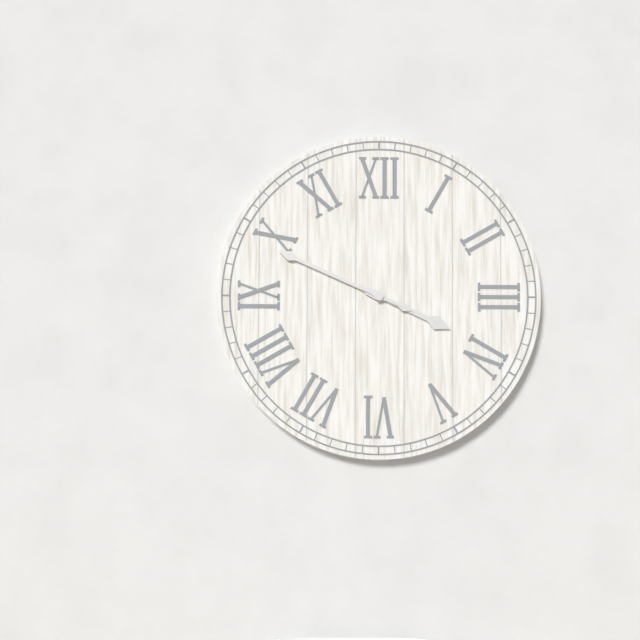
**3:49**
